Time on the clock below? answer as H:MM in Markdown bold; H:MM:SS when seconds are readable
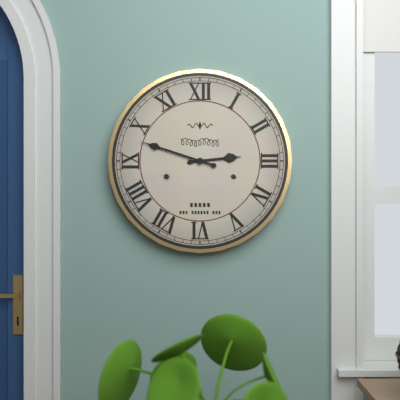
**2:48**
